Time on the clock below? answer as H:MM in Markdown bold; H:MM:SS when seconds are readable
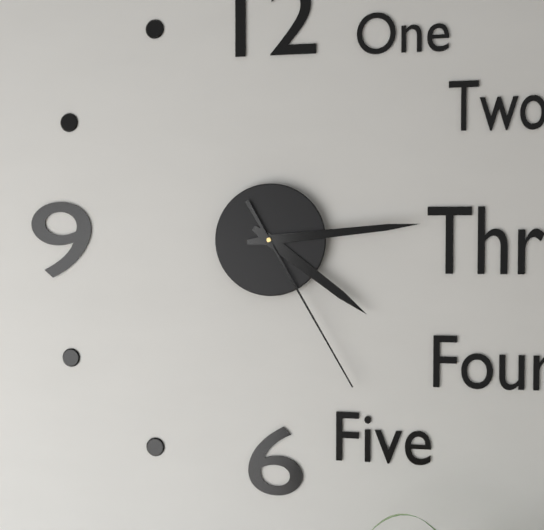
**4:14:25**
